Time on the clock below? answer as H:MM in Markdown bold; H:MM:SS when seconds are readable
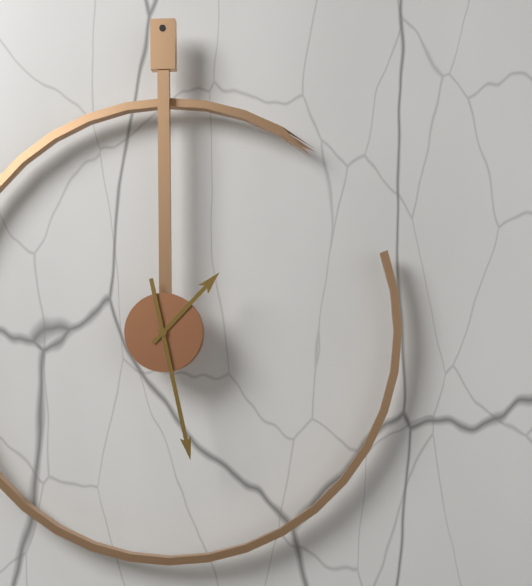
**1:28**
